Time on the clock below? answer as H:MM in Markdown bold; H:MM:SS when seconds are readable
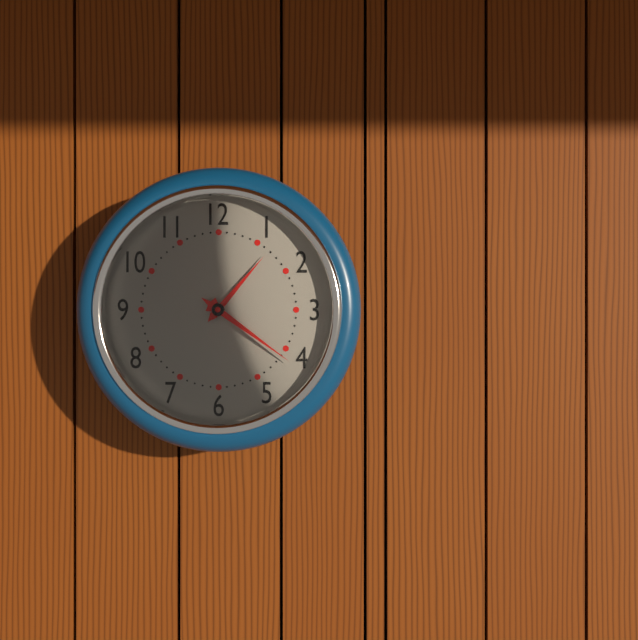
**1:21**
